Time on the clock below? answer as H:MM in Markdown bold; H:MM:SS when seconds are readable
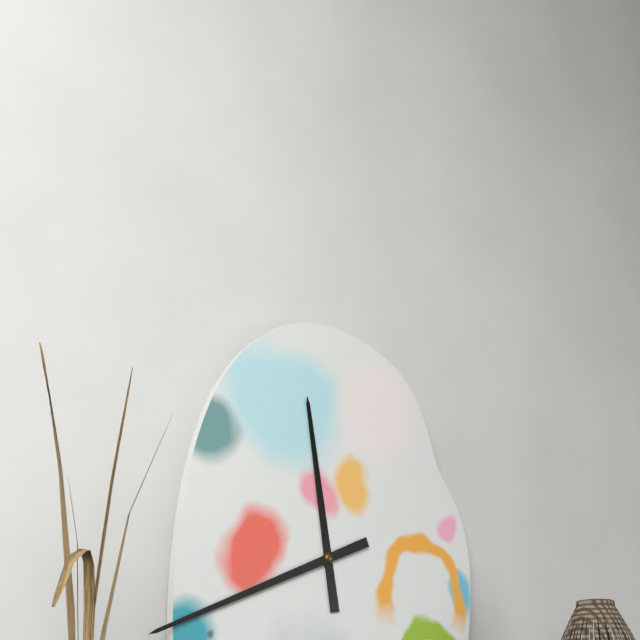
**11:41**
